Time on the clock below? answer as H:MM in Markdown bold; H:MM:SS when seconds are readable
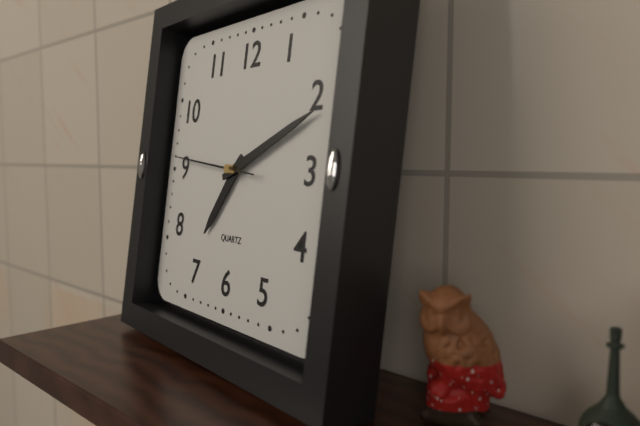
**7:11:46**
